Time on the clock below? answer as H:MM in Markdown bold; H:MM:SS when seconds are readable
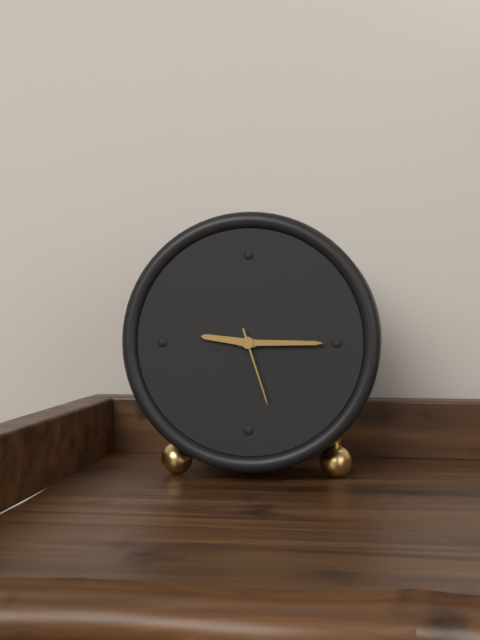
**9:15:27**
